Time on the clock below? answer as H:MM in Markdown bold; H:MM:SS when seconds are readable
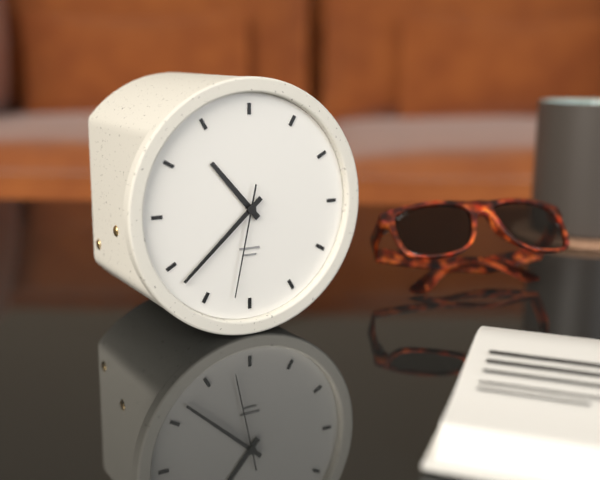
**10:38:32**
